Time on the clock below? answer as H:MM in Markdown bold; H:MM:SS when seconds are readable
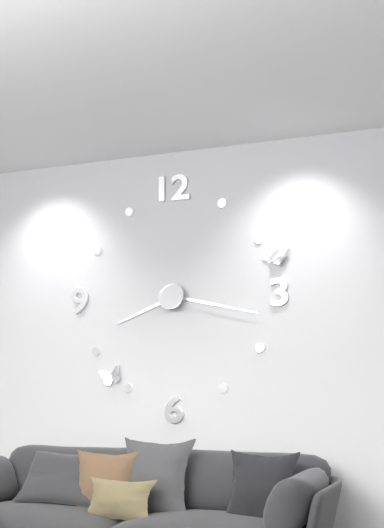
**8:17**
